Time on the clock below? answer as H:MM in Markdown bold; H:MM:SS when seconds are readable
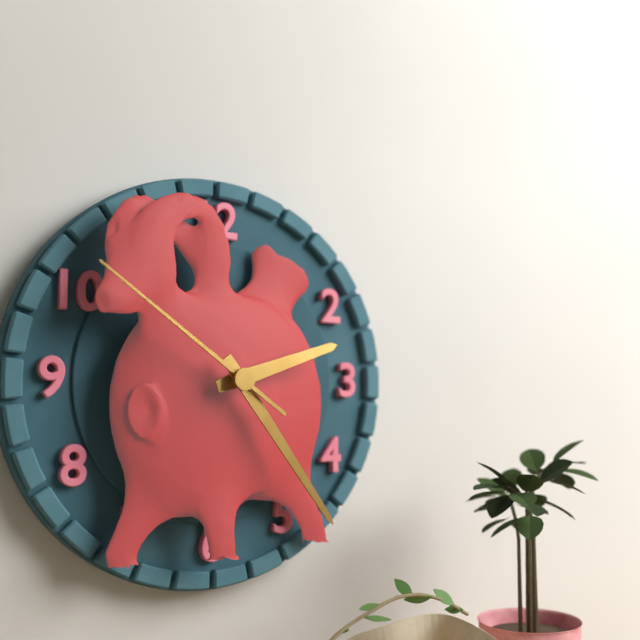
**2:24:51**
